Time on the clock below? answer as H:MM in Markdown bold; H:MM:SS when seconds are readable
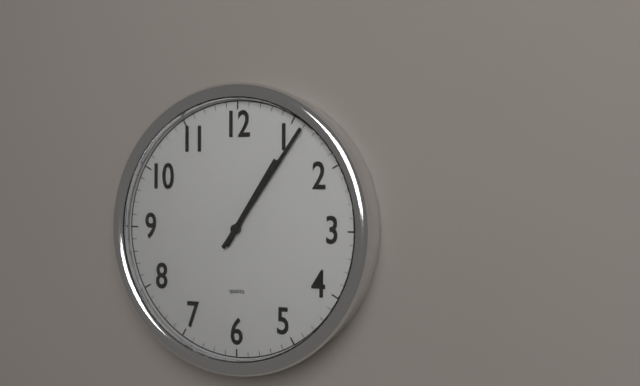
**1:06**
